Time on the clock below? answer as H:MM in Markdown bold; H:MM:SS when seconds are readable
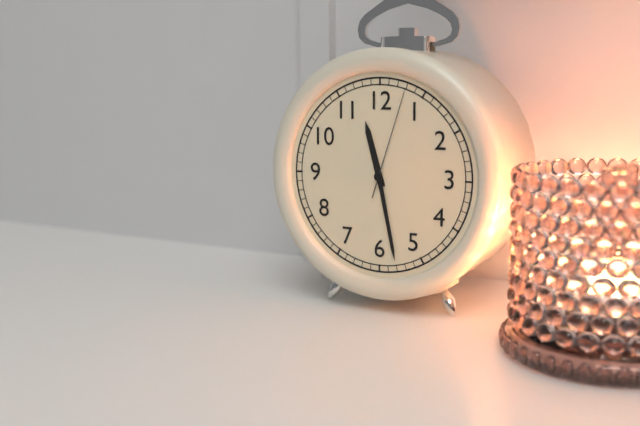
**11:28:03**
